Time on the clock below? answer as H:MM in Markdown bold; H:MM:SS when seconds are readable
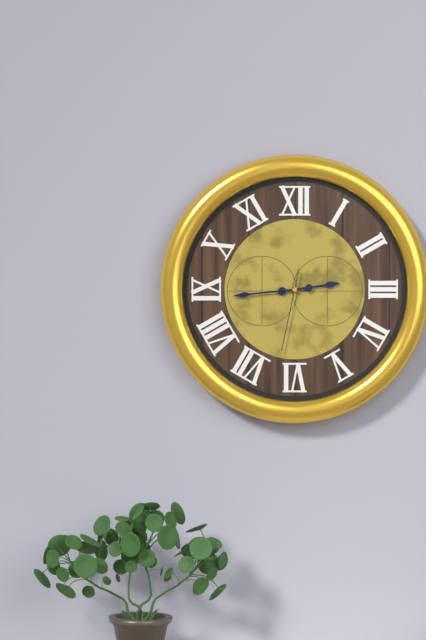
**2:44:32**
